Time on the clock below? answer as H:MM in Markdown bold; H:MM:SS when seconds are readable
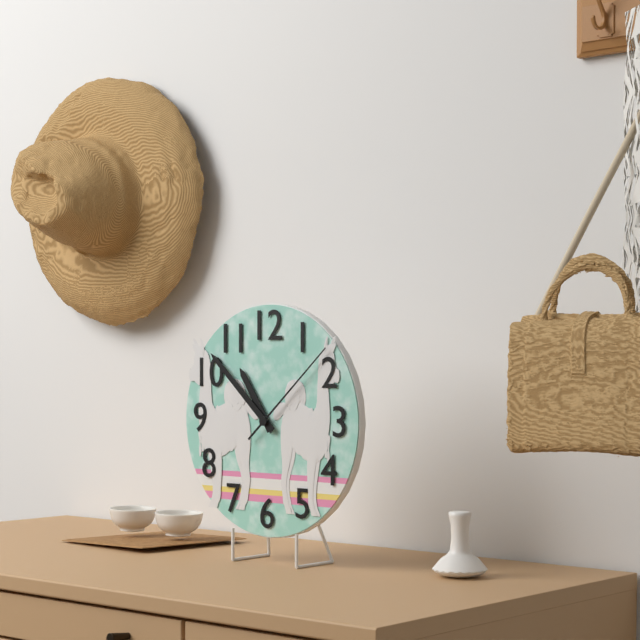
**10:52:08**
